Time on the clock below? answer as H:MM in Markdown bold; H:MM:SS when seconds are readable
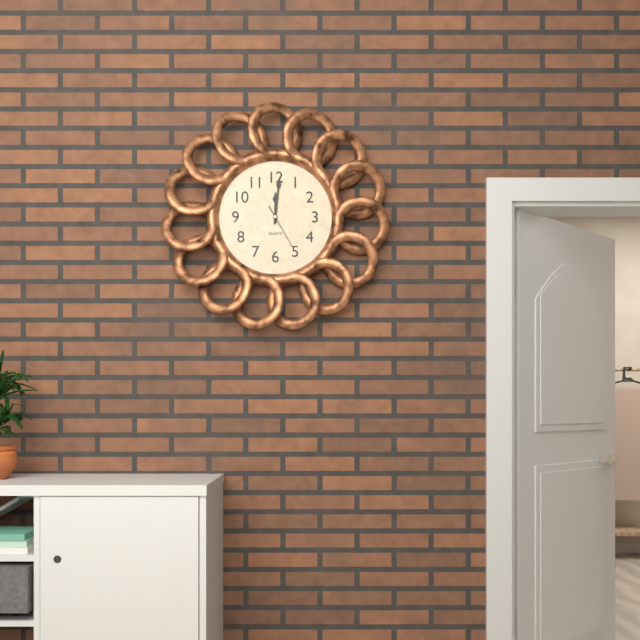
**12:01**
